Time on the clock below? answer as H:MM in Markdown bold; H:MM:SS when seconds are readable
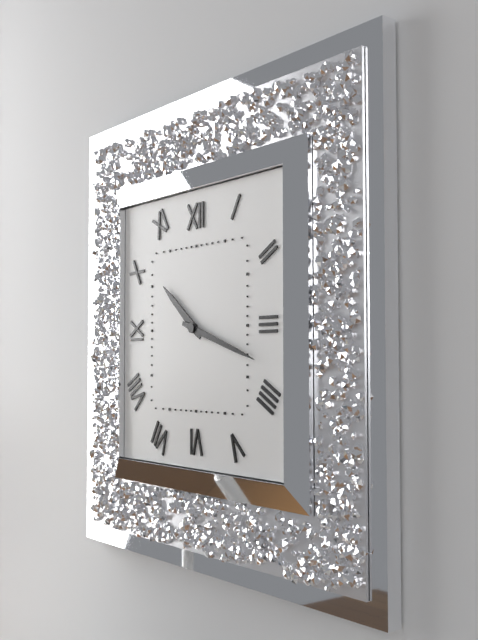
**10:18**
